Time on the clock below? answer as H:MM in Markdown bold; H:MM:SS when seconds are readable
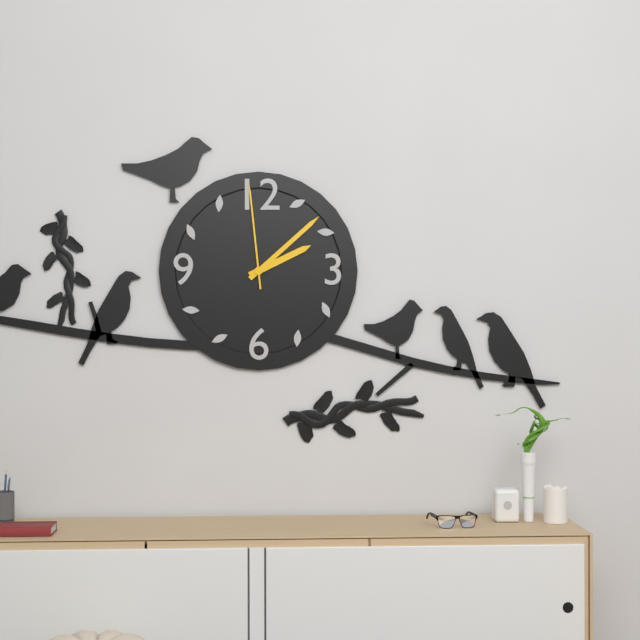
**2:08:59**
